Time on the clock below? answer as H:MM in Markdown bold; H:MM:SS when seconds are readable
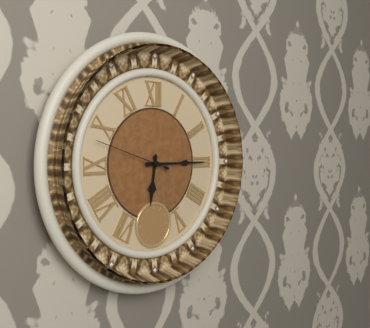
**6:15:48**
